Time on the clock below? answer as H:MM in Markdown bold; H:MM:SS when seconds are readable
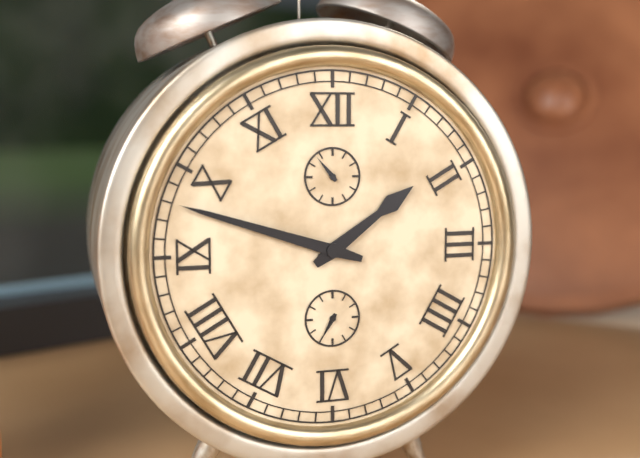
**1:48**
